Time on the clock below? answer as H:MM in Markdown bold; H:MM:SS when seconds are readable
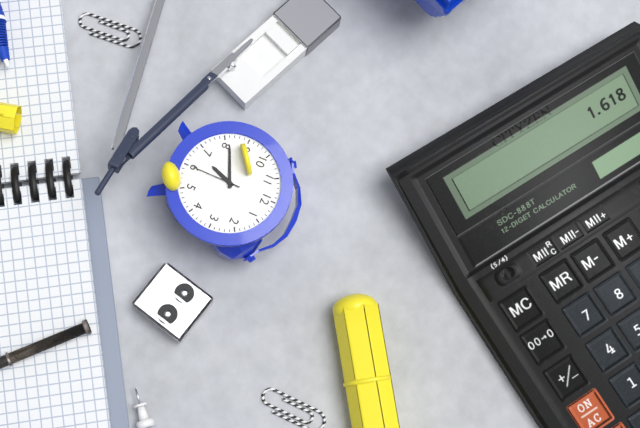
**6:41:30**
